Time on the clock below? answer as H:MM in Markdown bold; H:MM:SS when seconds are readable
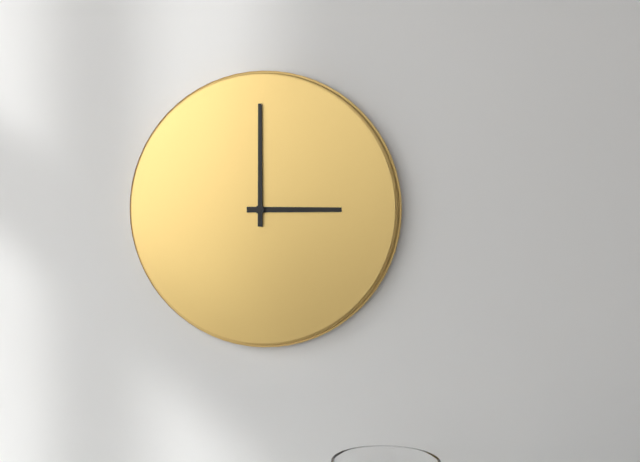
**3:00**
